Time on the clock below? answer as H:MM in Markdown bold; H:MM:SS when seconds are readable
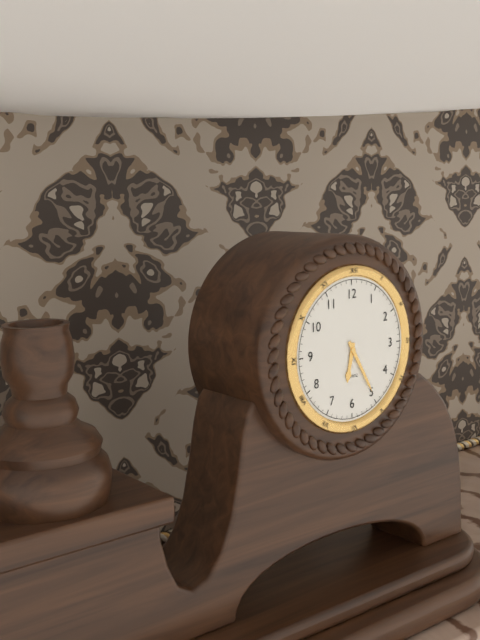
**6:25**
